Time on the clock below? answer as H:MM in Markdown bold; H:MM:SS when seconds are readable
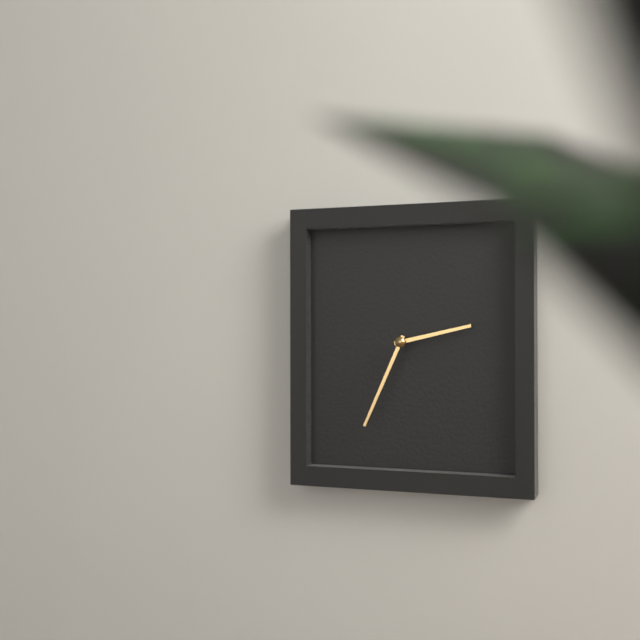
**2:34**
